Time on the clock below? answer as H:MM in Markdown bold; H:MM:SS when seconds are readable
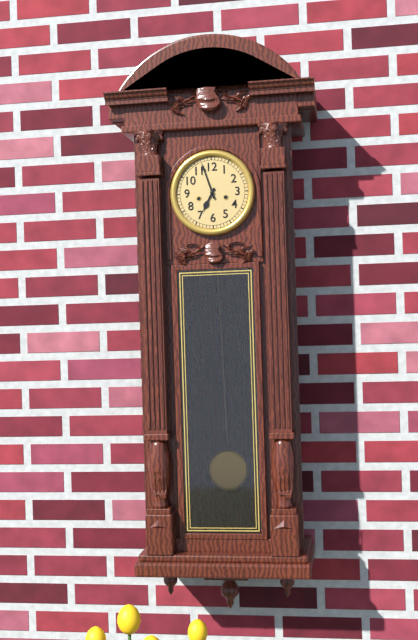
**6:57**
